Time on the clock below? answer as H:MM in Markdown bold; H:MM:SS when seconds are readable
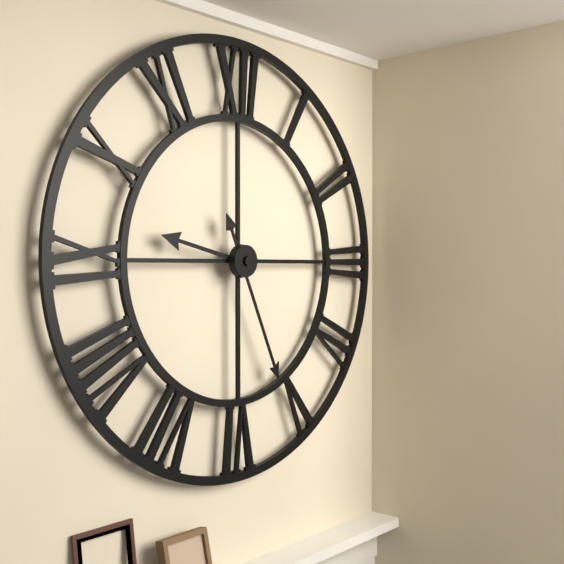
**9:26**
